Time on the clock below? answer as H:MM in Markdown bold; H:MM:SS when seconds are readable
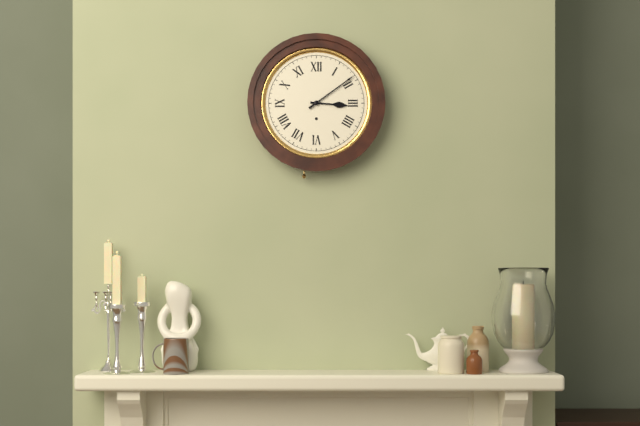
**3:09**
